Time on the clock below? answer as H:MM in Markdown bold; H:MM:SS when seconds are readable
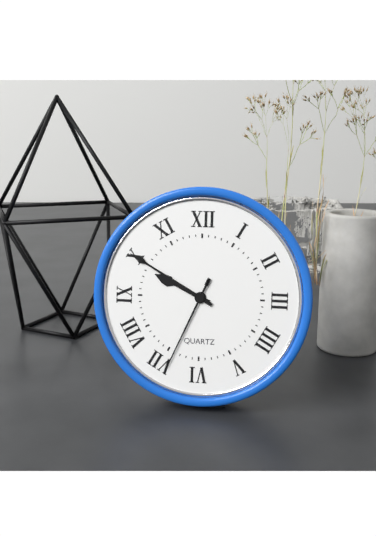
**9:50:34**
